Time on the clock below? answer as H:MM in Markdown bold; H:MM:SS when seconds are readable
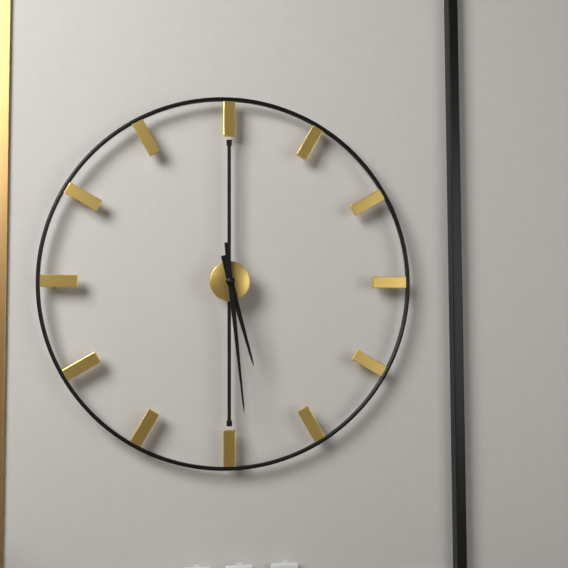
**5:29**
